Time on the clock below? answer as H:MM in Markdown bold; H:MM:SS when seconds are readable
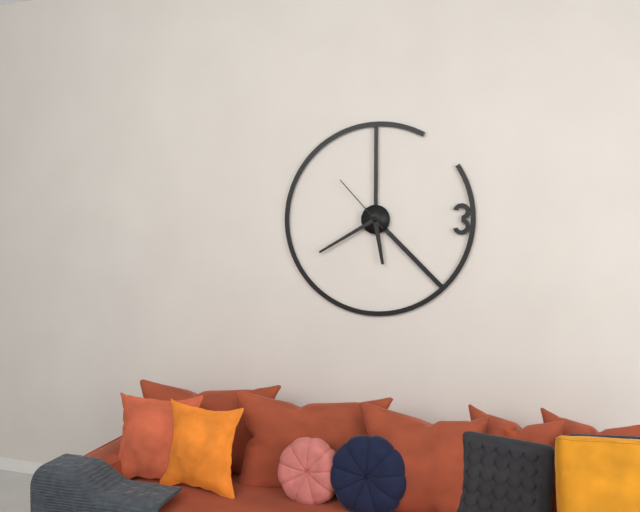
**5:40:53**
